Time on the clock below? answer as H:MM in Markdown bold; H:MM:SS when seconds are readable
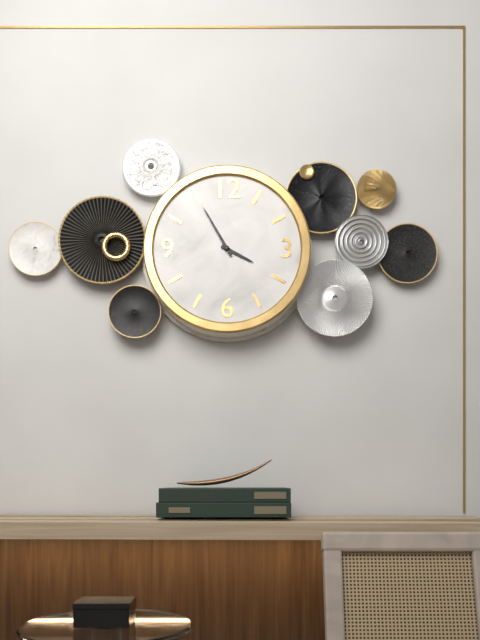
**3:55**
